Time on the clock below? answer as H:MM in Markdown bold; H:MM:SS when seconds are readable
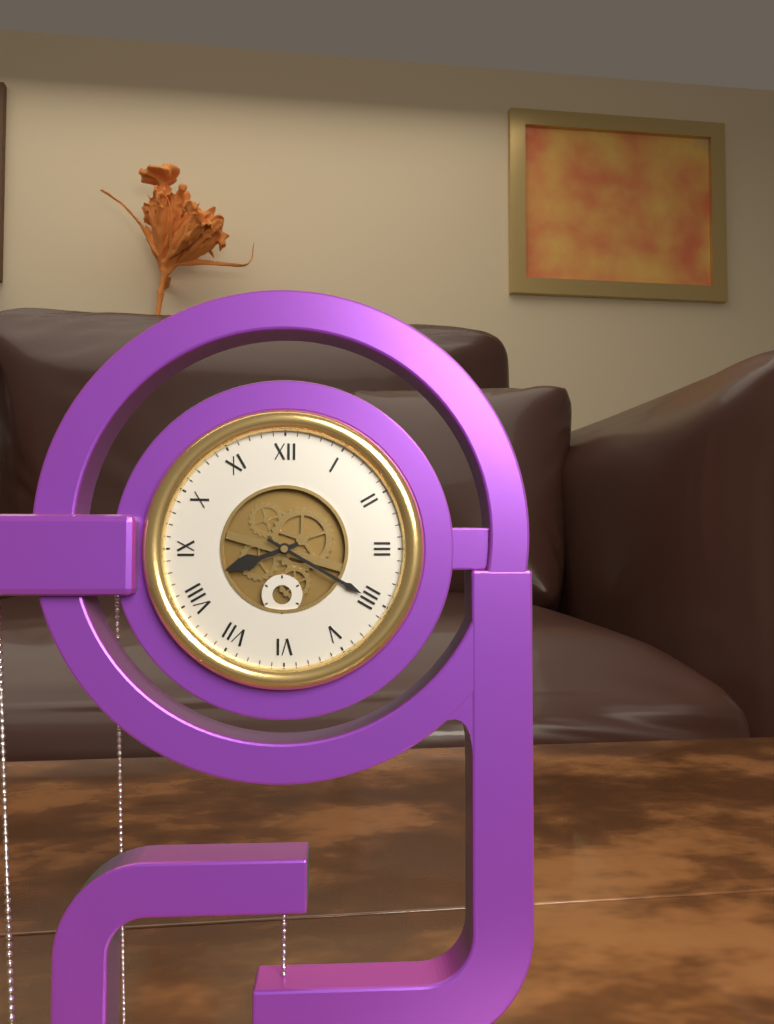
**8:20**
